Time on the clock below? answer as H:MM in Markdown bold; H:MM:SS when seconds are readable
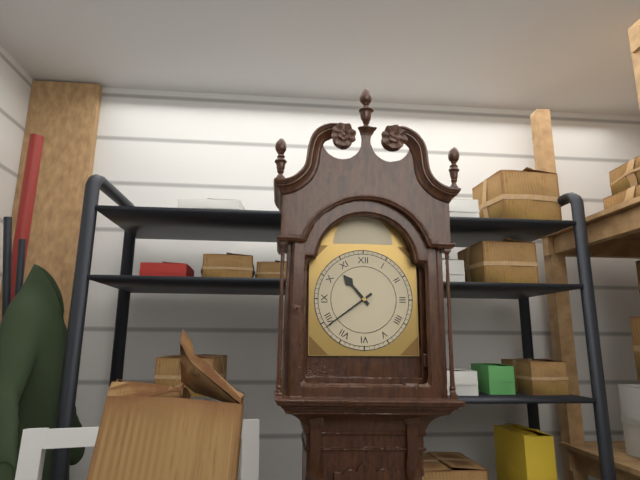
**10:39**
